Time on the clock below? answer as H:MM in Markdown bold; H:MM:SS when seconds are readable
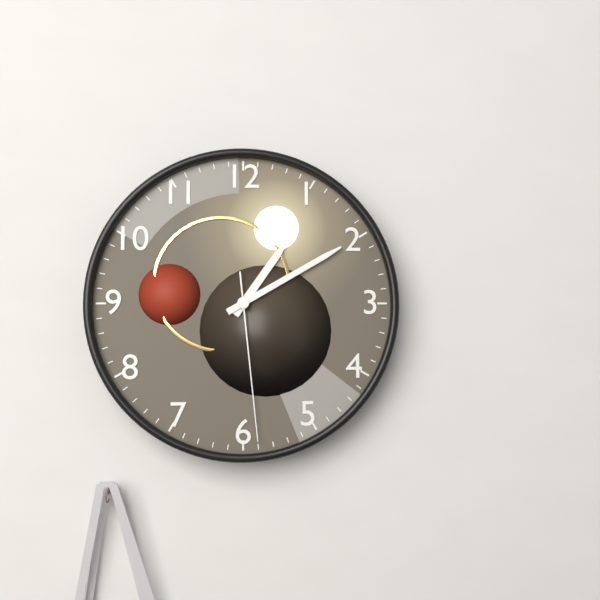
**1:10:29**
